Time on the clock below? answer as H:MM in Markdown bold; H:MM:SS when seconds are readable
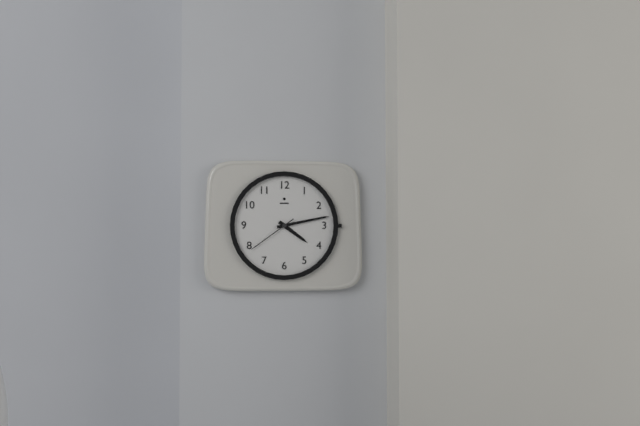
**4:13:39**
